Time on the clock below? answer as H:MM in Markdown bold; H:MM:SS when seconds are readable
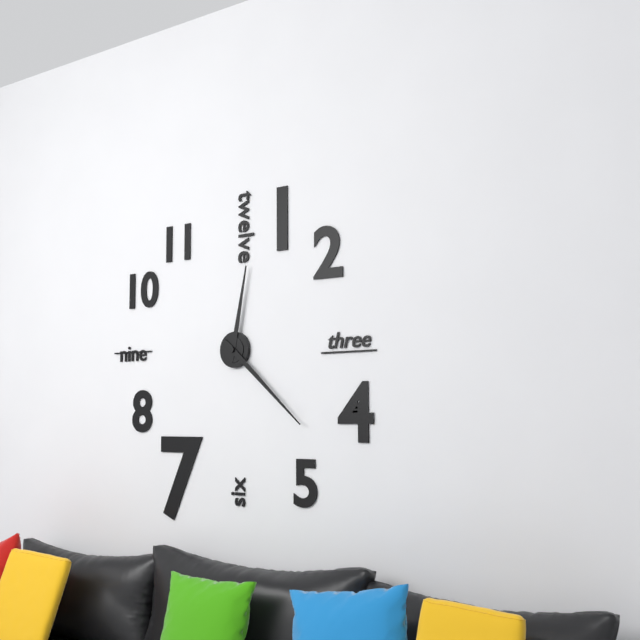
**12:22**
